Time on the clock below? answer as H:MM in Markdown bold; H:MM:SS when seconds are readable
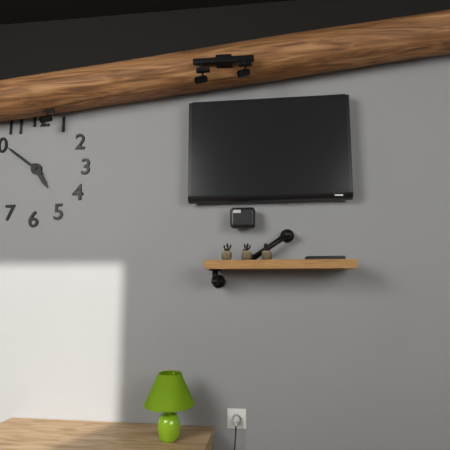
**4:51**
